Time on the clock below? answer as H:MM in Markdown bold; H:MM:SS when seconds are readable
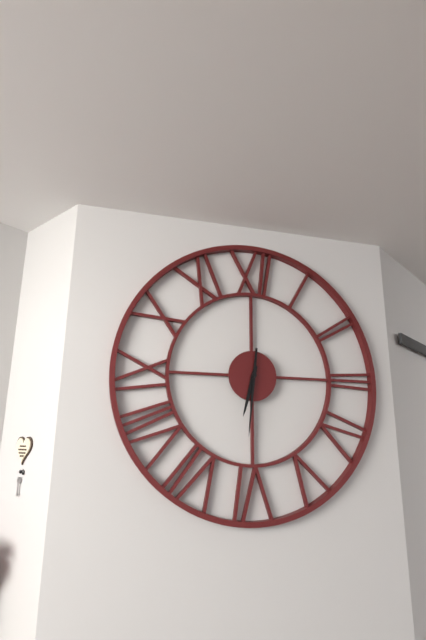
**6:31**
